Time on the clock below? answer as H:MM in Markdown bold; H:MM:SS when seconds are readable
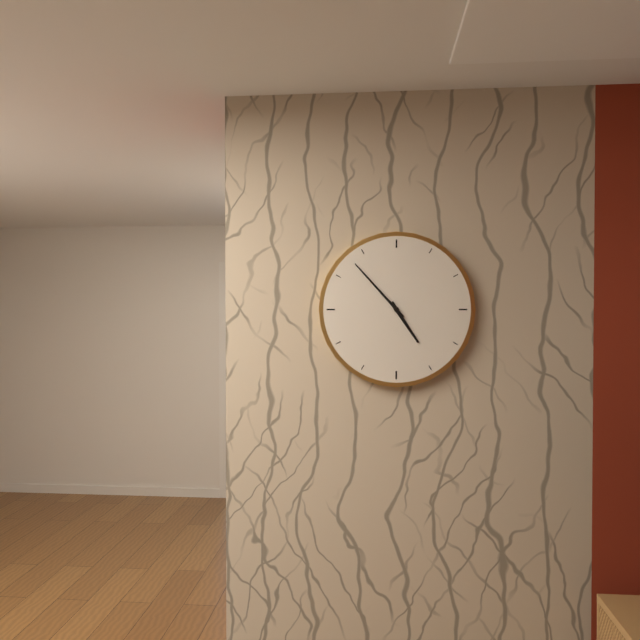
**4:53**
